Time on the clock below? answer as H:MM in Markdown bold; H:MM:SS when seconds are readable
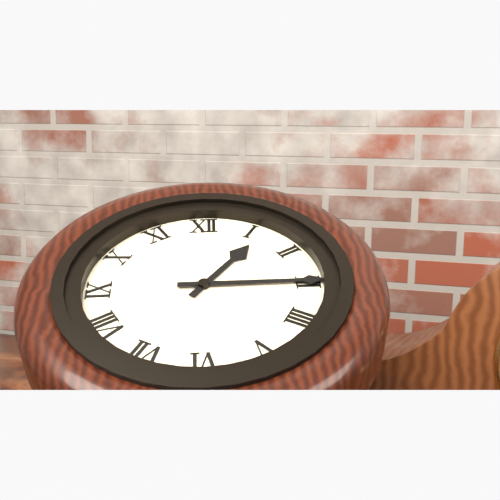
**1:15**
